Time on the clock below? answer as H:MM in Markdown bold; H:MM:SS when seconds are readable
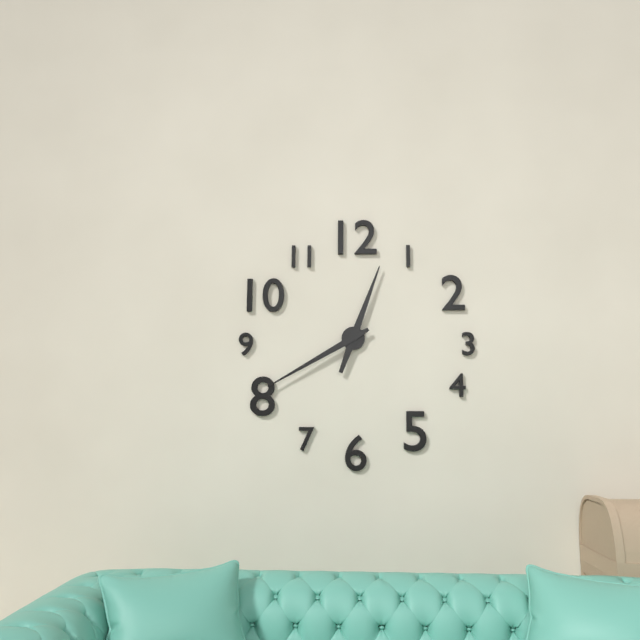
**12:40**
